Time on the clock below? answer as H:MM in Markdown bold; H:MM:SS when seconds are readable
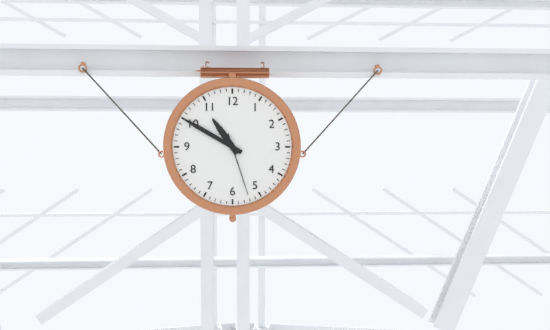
**10:50:27**
